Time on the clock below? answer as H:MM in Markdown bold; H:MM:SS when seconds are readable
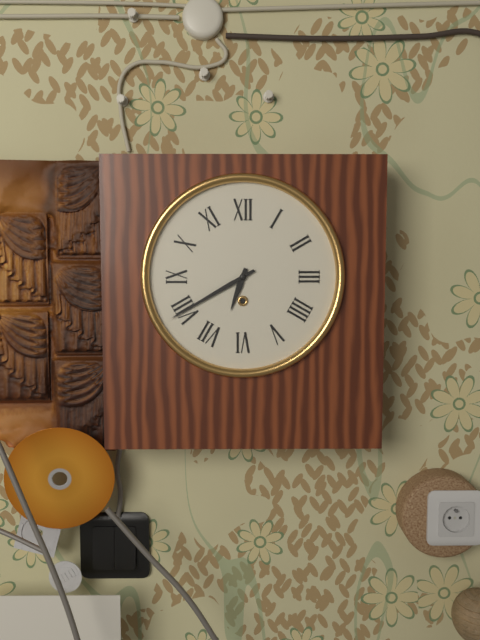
**6:40**
